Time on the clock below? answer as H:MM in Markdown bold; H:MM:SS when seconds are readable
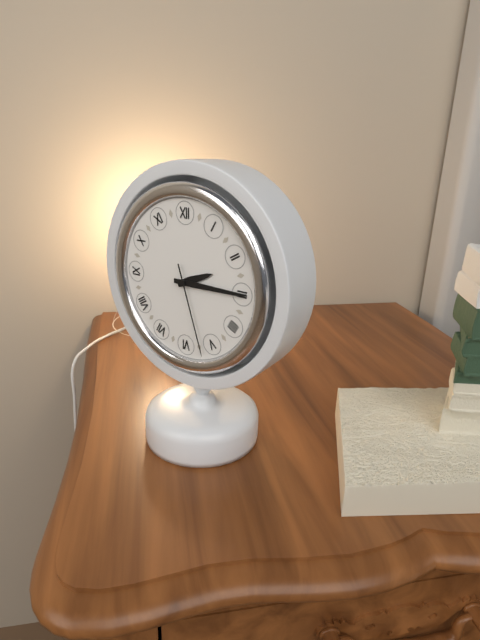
**2:15:27**
